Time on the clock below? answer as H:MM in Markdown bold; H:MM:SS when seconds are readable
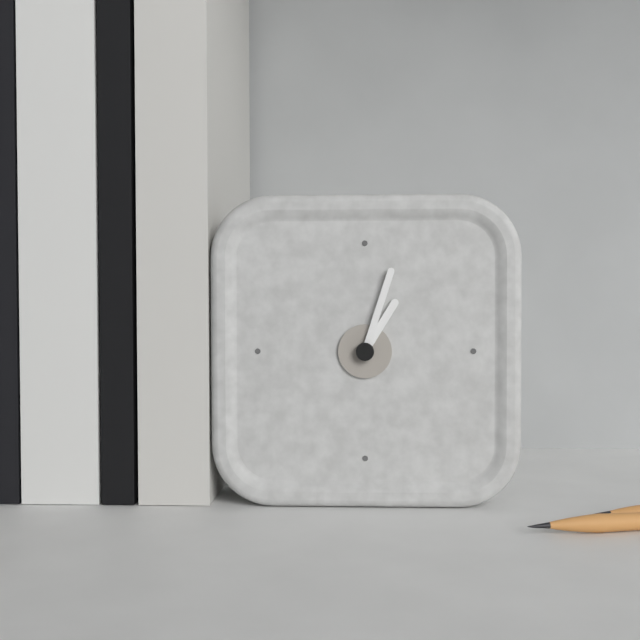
**1:03**
